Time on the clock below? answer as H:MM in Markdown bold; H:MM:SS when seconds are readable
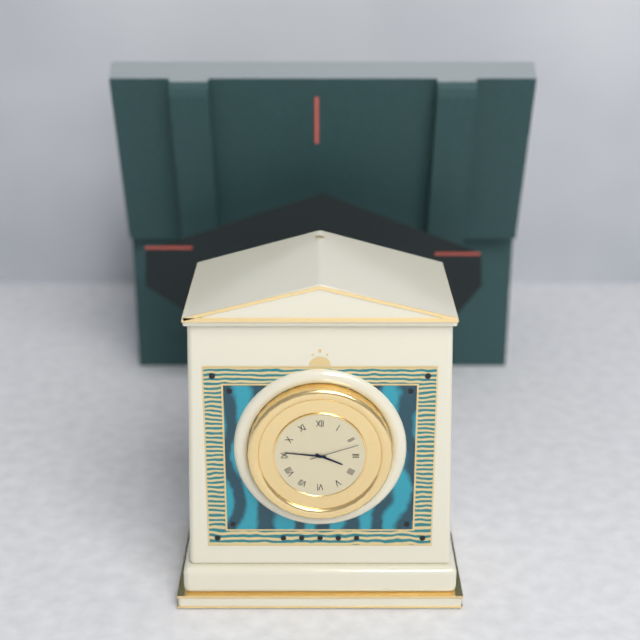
**3:46:12**
